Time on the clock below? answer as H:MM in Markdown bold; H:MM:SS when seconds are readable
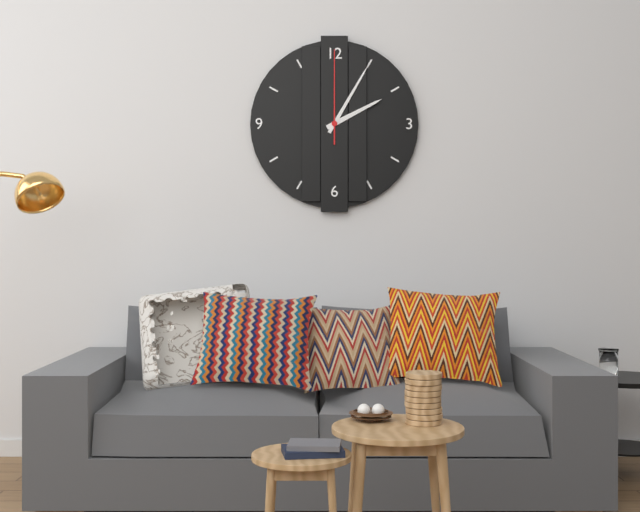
**2:05:00**
